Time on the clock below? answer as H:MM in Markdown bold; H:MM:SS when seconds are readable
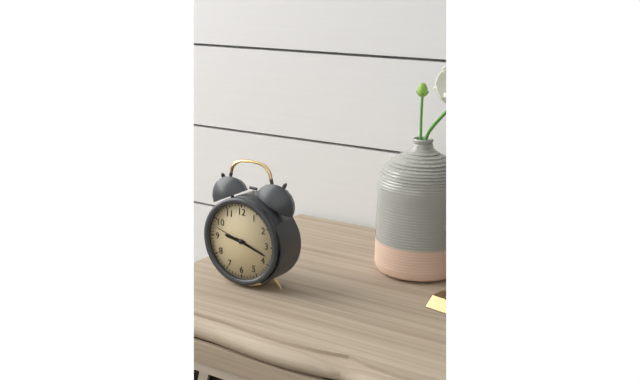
**9:18**
